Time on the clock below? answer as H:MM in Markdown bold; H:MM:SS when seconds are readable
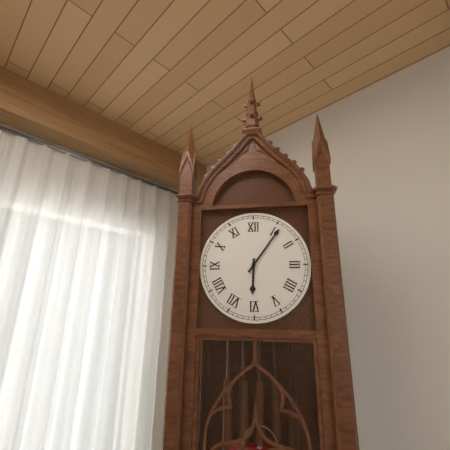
**6:06**
